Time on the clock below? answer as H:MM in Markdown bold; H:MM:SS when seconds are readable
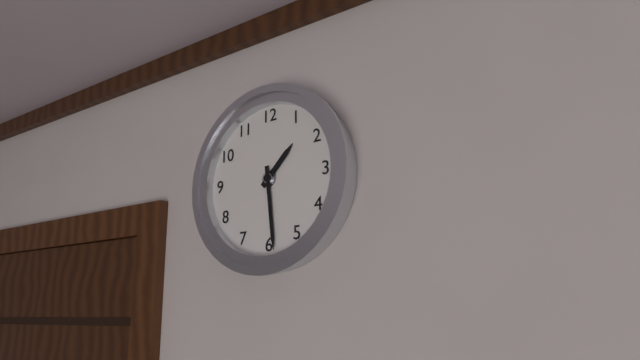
**1:29**
